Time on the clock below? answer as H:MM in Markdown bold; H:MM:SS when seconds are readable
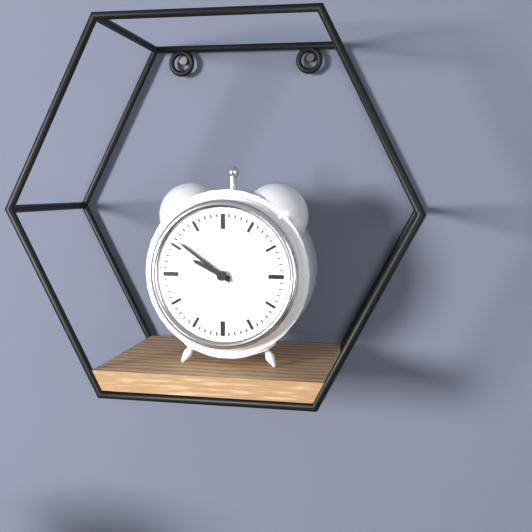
**9:51**
